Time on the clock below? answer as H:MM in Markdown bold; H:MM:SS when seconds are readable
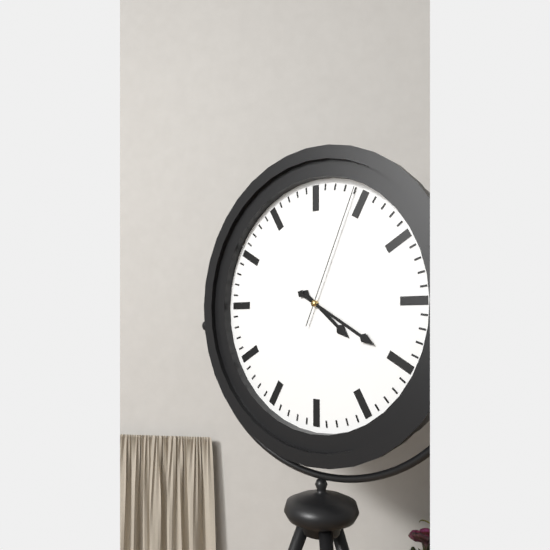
**4:20:04**
